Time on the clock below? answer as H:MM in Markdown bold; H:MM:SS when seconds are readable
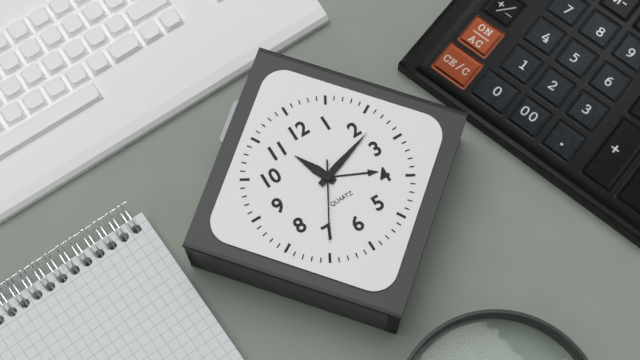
**11:12:35**
